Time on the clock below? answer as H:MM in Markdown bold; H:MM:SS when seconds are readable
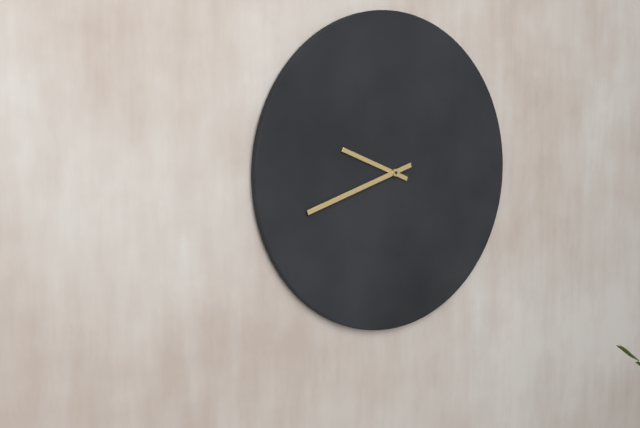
**9:42**
